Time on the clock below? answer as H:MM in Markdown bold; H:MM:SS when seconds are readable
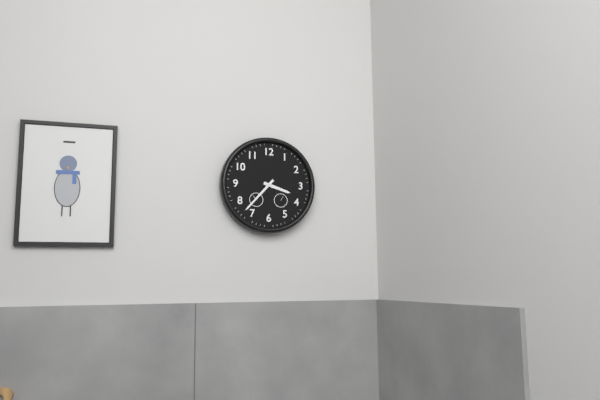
**3:37**
